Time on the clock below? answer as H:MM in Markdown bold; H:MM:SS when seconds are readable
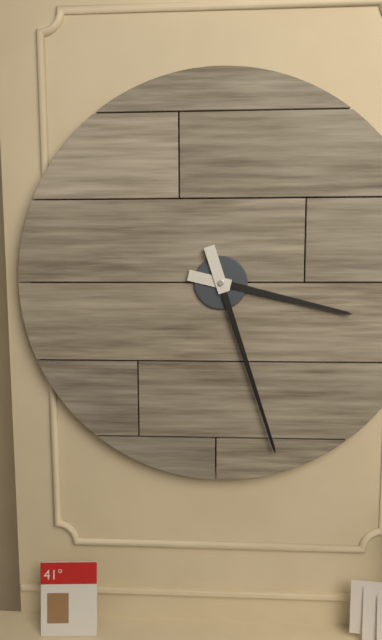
**3:27**
